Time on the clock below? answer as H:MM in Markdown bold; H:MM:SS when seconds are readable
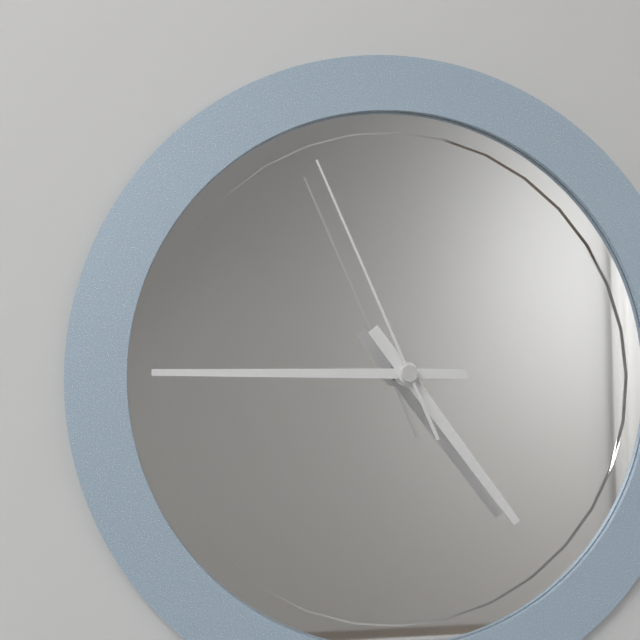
**4:45:56**
